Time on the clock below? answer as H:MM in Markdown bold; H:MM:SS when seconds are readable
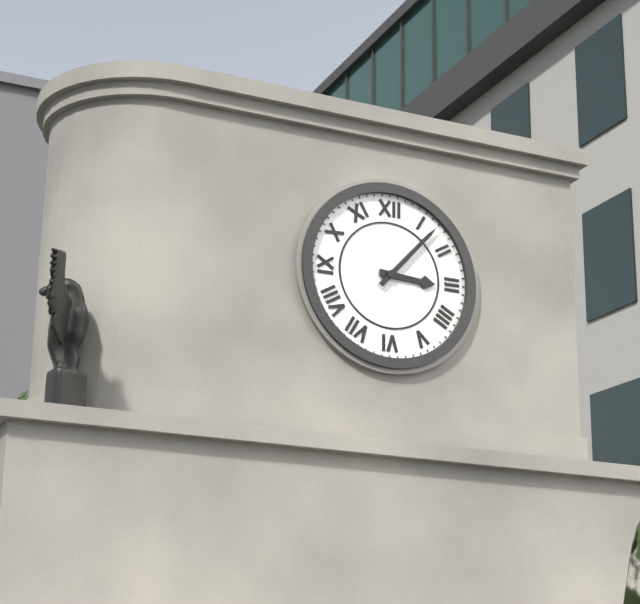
**3:07**
